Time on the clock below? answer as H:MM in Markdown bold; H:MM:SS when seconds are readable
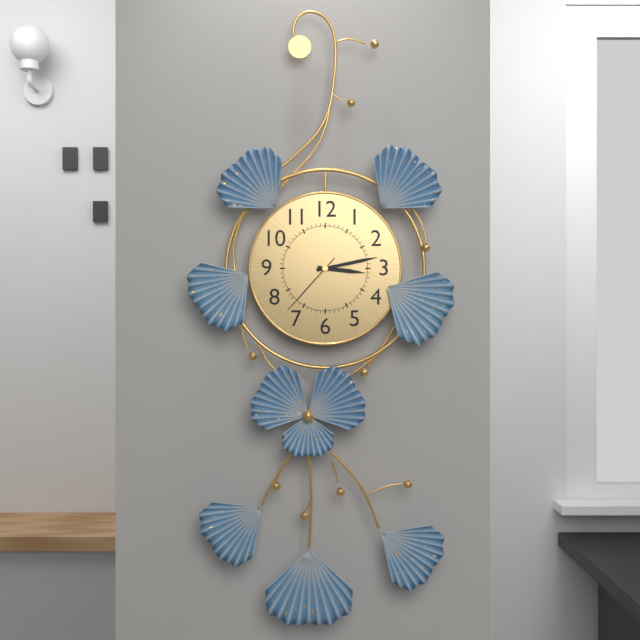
**3:13:37**
